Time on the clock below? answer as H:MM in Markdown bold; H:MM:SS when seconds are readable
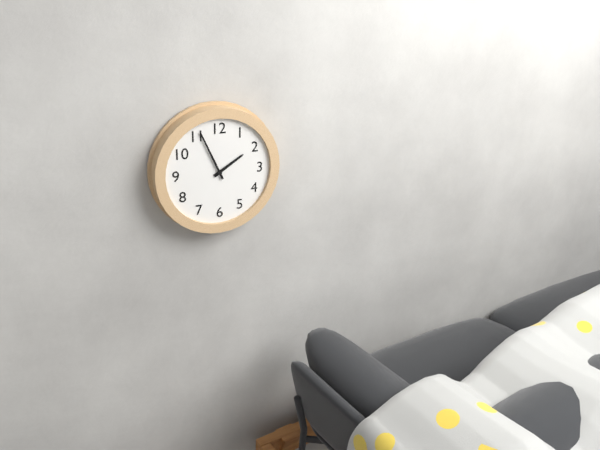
**1:56**
